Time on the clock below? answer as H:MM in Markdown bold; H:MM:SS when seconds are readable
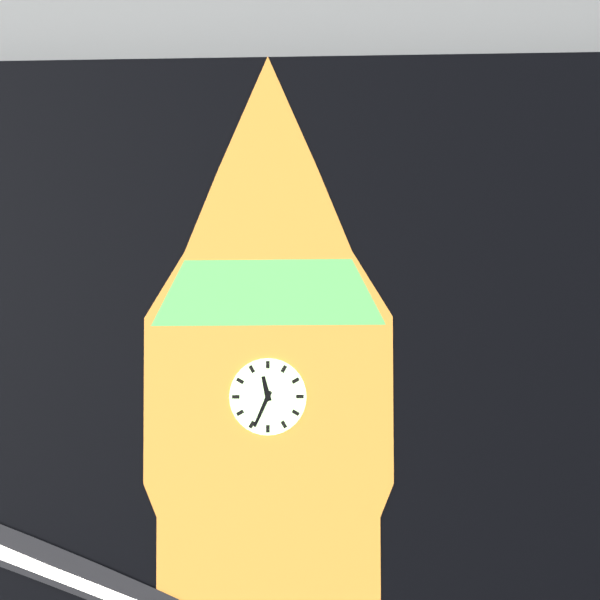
**11:34**
